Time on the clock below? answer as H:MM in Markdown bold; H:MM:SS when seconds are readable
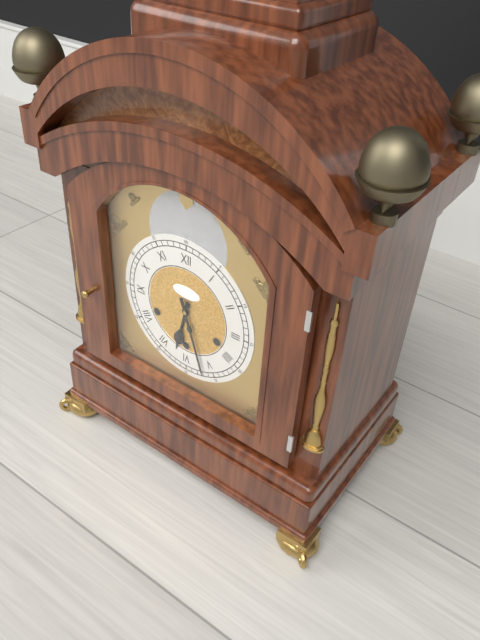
**6:27**
